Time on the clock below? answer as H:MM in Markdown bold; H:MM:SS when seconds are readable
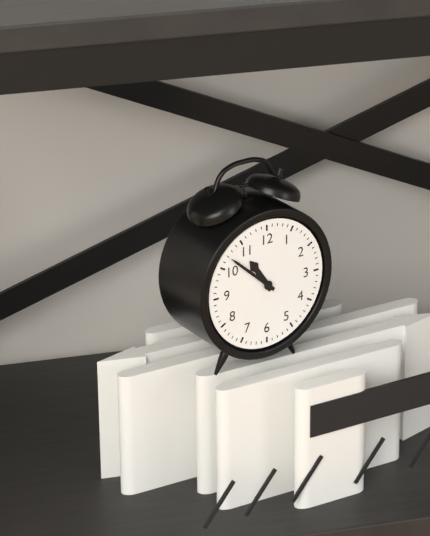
**10:52**
